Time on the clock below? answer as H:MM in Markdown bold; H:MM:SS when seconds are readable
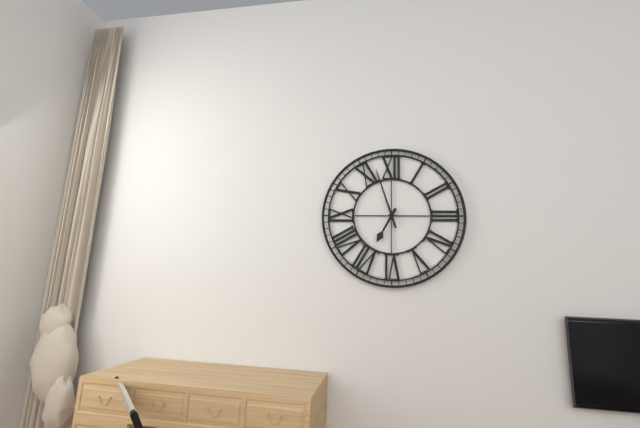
**6:57**
